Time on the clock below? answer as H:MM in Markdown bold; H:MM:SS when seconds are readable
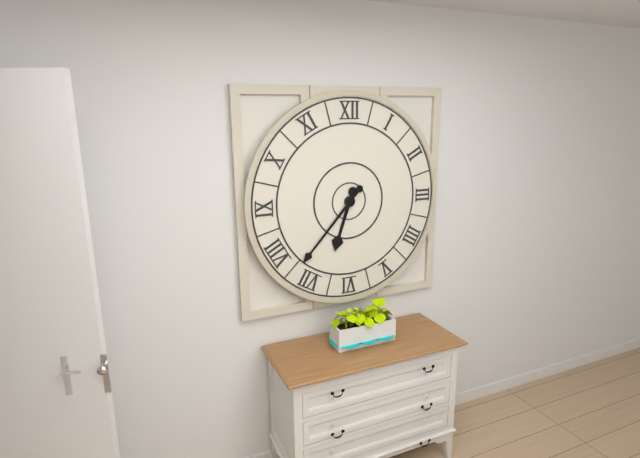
**6:37**
